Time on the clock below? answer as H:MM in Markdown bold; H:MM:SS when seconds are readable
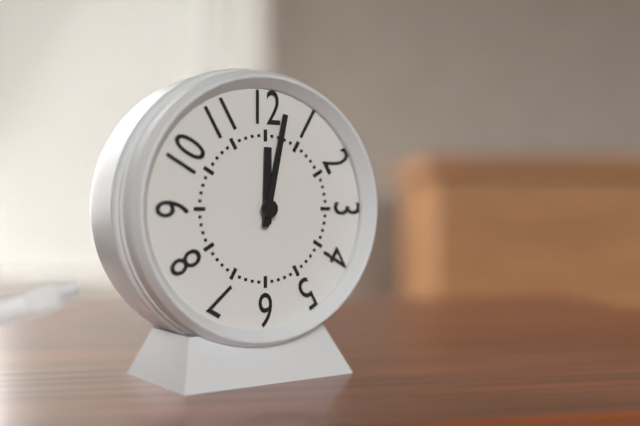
**12:02**
